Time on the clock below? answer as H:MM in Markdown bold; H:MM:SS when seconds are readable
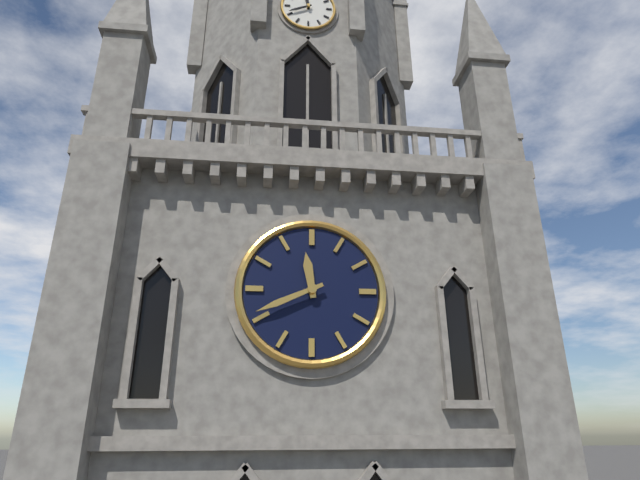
**11:41**
